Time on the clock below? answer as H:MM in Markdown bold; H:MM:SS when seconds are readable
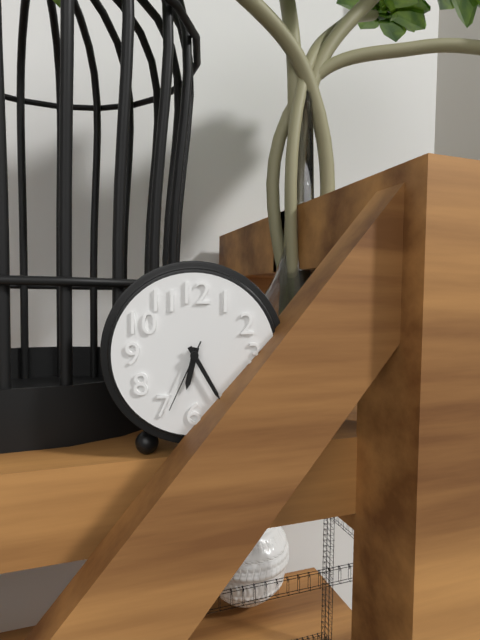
**6:25:34**
